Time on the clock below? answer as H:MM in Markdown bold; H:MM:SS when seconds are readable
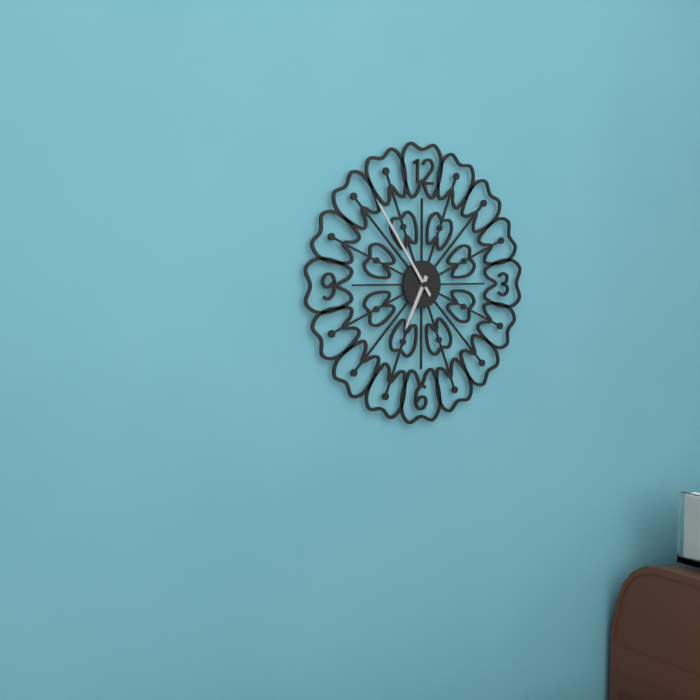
**6:54**
